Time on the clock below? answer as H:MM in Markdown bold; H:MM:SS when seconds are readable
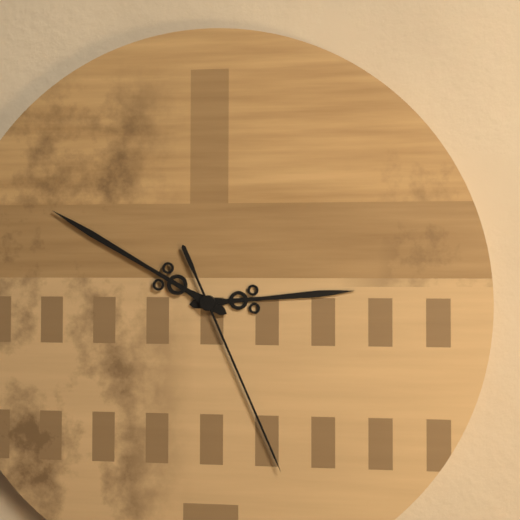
**2:50:26**
